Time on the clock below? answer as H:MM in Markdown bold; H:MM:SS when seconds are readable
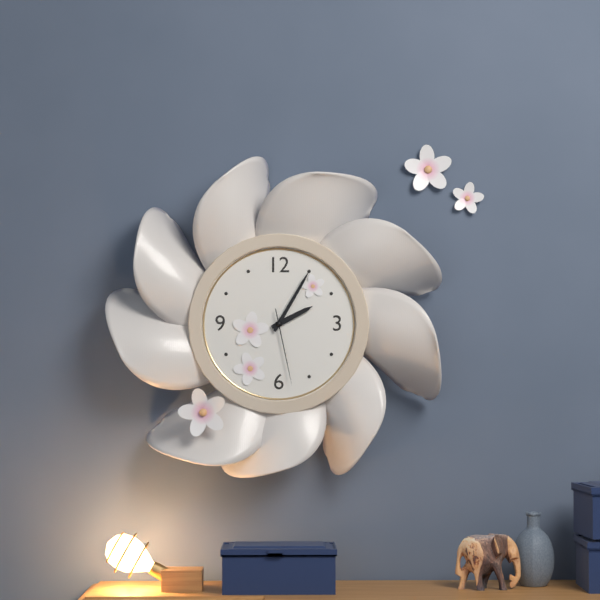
**2:05:28**
